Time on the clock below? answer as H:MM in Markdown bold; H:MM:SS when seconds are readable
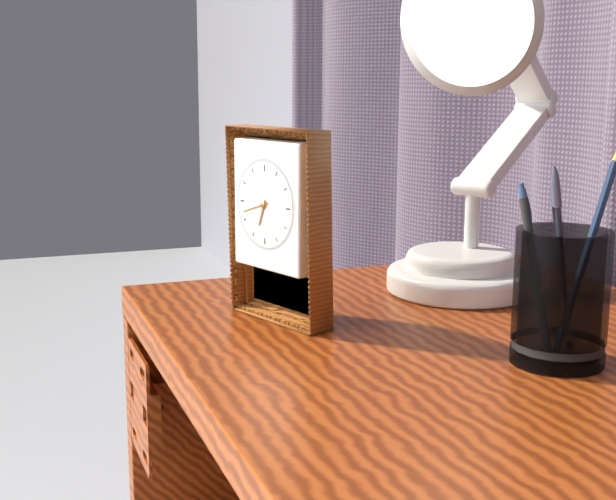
**6:42**
